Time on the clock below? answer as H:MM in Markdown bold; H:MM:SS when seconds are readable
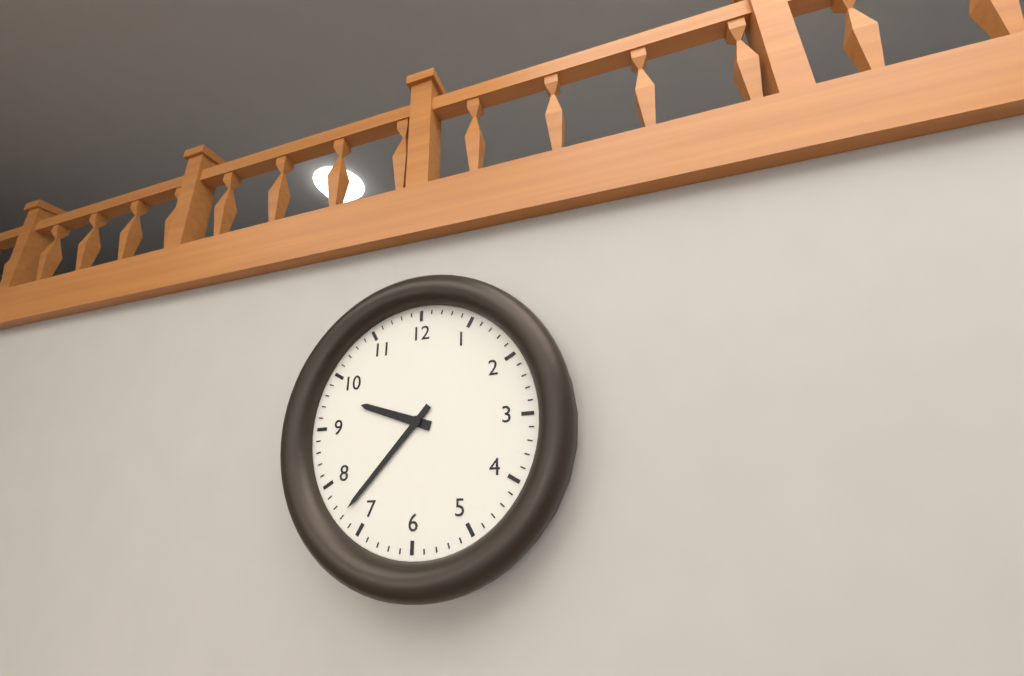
**9:37**
